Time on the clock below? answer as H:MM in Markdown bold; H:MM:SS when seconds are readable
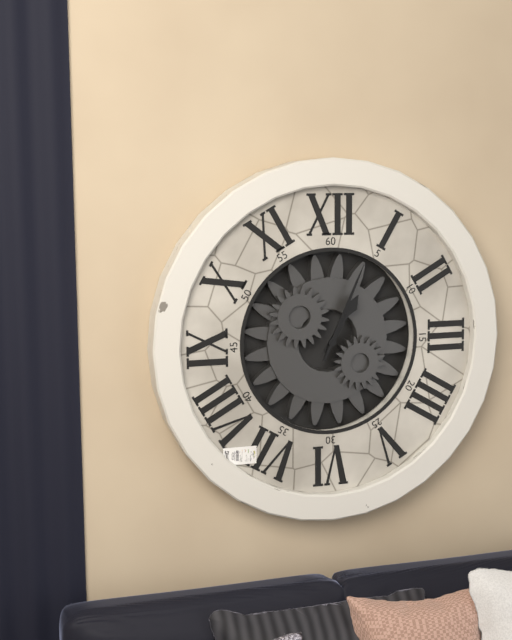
**1:04**
